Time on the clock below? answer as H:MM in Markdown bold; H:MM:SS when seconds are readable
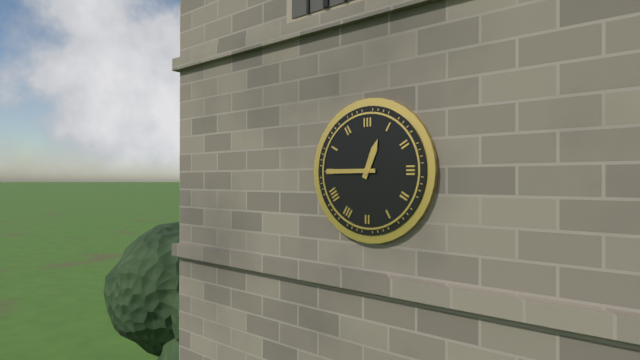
**12:45**
